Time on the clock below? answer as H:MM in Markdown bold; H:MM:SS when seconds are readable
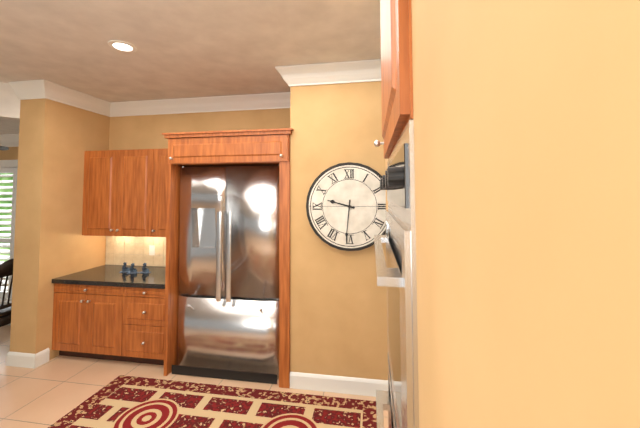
**9:31**
